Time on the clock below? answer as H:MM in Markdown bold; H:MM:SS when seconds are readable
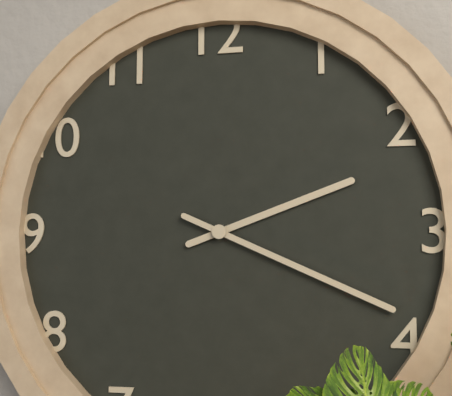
**2:19**
